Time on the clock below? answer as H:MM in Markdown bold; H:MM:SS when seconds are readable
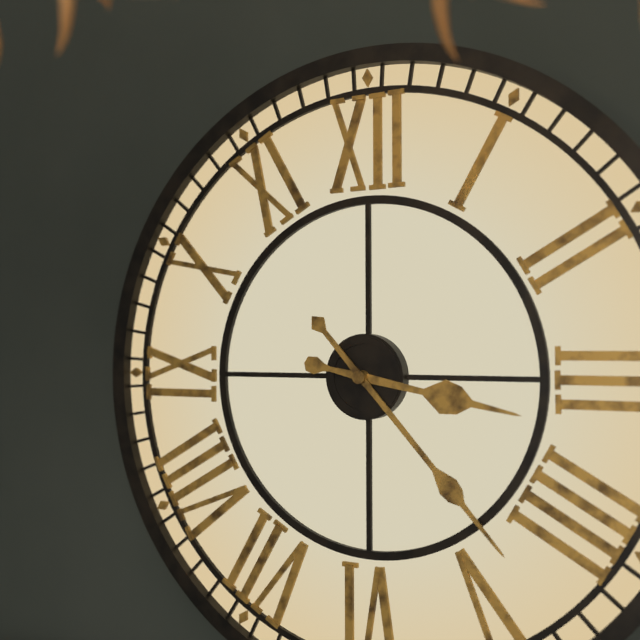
**3:23**
